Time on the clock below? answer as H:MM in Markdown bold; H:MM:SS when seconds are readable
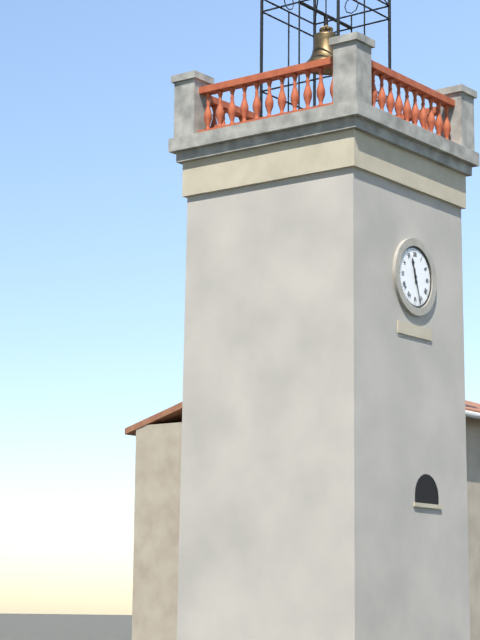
**11:27**
